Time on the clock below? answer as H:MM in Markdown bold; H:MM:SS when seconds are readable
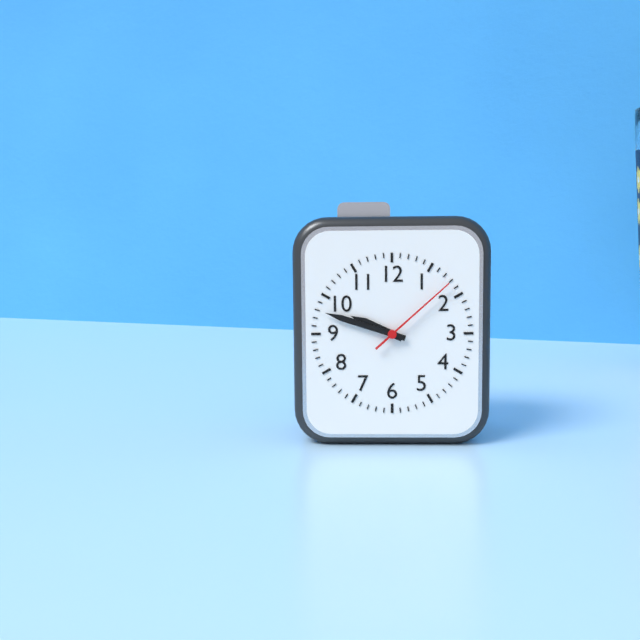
**9:48:08**
